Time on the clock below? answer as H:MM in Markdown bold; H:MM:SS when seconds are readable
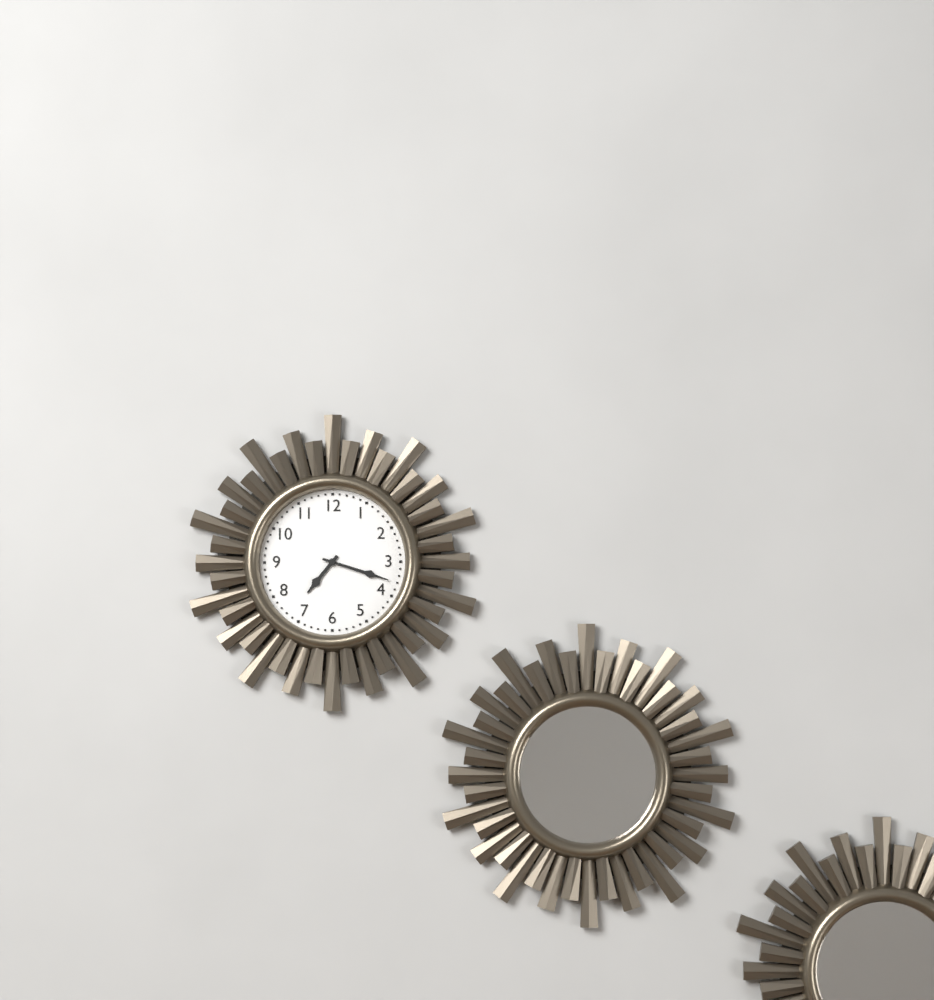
**7:18**
